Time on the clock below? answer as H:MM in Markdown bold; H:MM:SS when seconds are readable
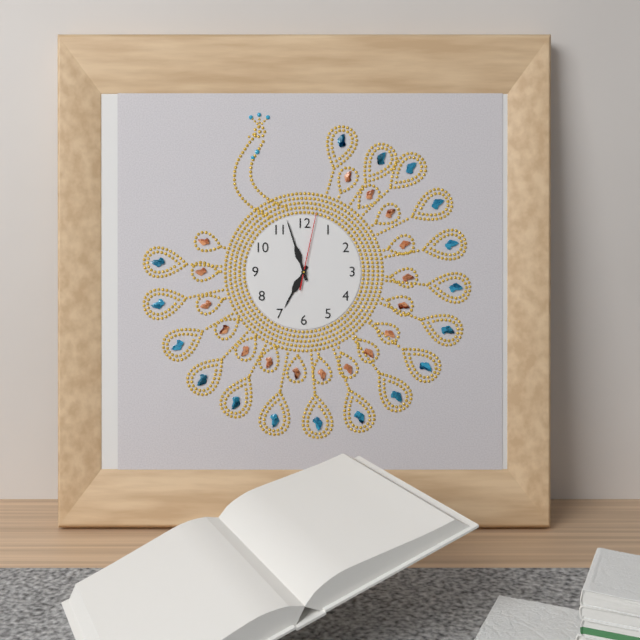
**6:57:02**
